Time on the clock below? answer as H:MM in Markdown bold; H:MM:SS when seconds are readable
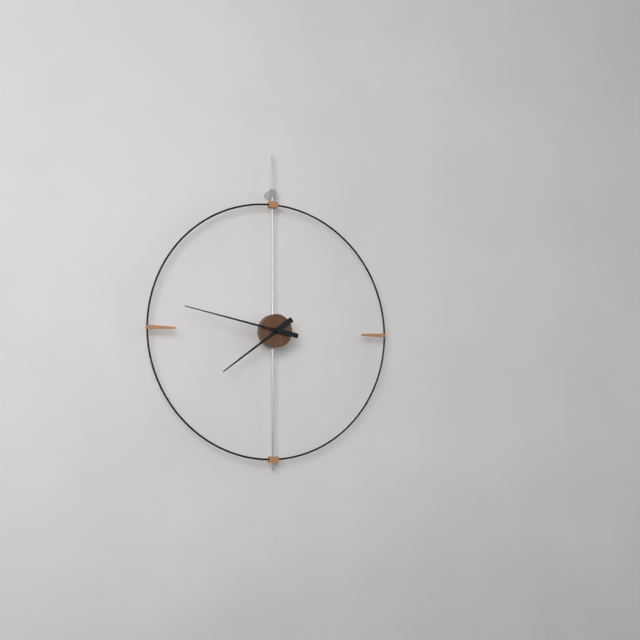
**7:47**
